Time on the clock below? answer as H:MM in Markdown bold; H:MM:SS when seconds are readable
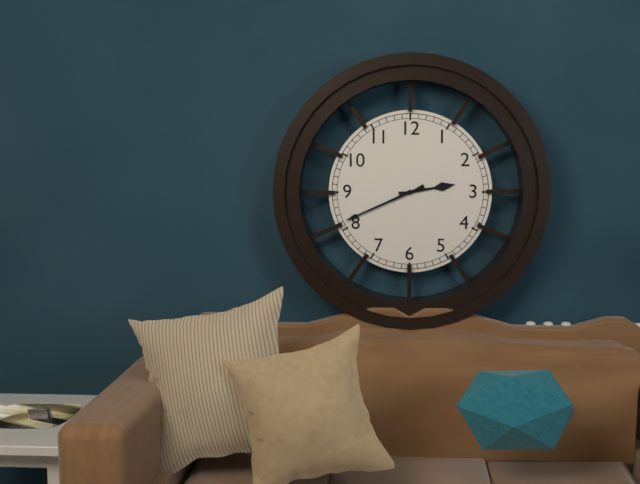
**2:41**
